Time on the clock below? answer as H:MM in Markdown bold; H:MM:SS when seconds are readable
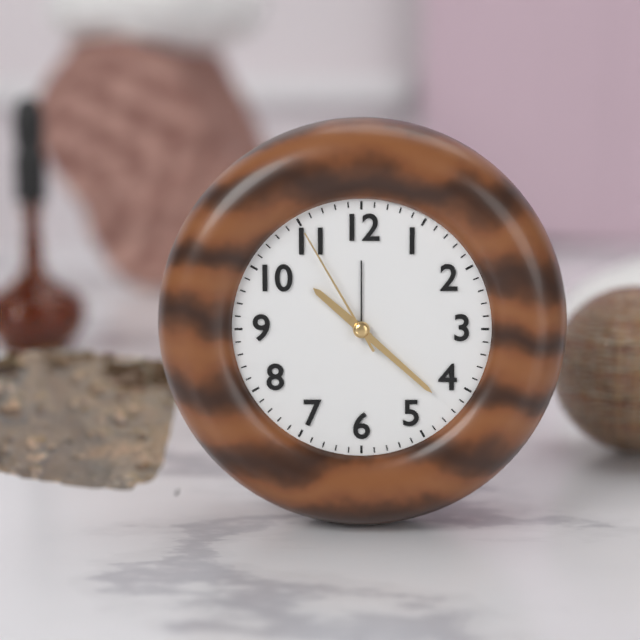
**10:22:55**
